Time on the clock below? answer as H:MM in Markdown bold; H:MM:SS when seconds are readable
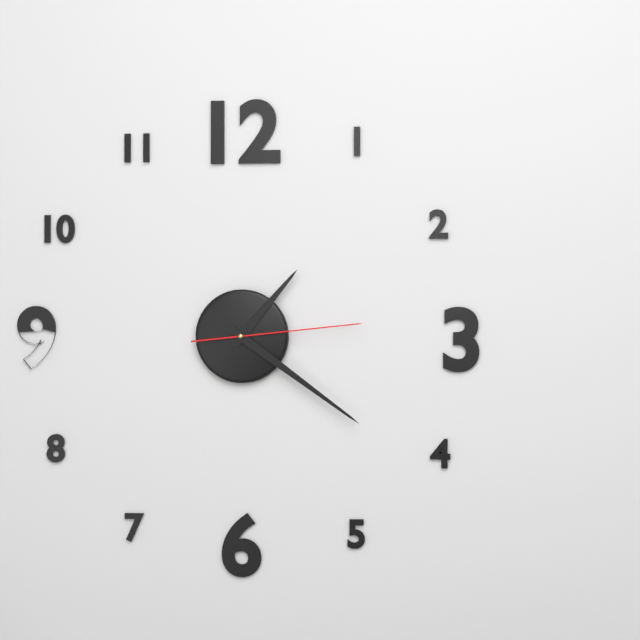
**1:21:14**
